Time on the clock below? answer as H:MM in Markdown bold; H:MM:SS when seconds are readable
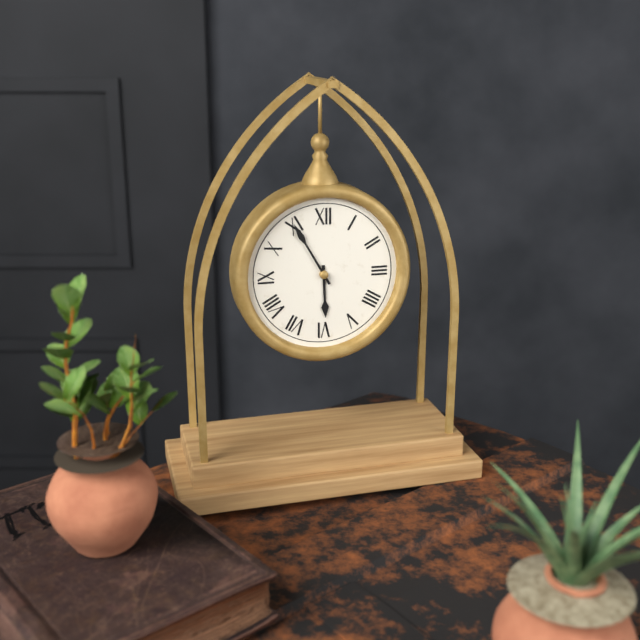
**5:55**
